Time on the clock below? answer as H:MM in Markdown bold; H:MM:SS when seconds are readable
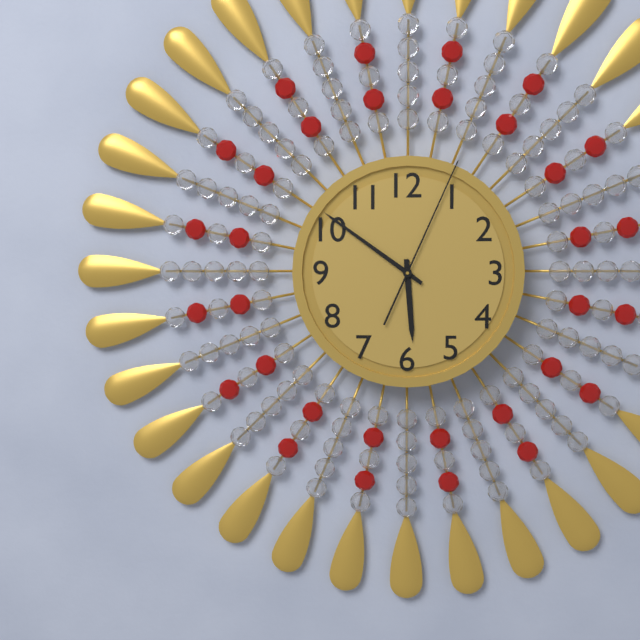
**5:51:04**
